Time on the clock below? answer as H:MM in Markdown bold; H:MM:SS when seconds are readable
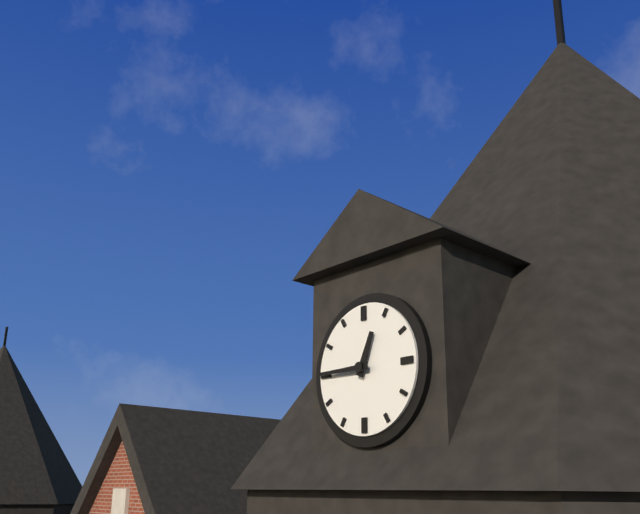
**12:45**
